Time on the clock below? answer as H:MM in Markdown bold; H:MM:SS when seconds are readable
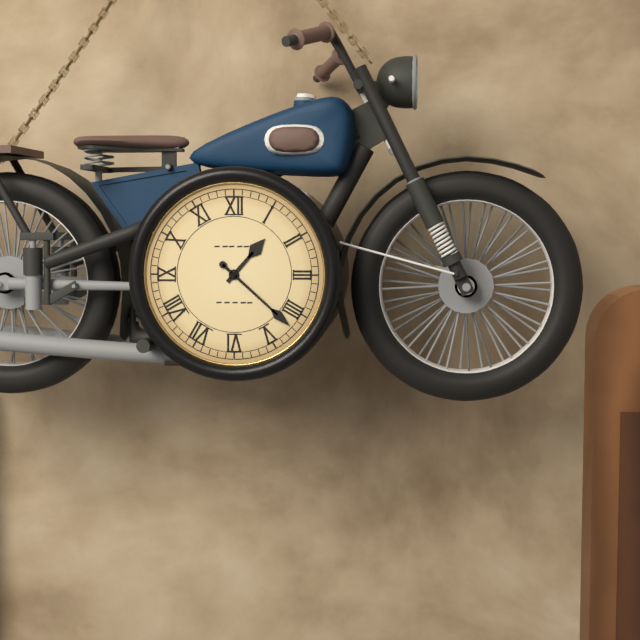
**1:22**
